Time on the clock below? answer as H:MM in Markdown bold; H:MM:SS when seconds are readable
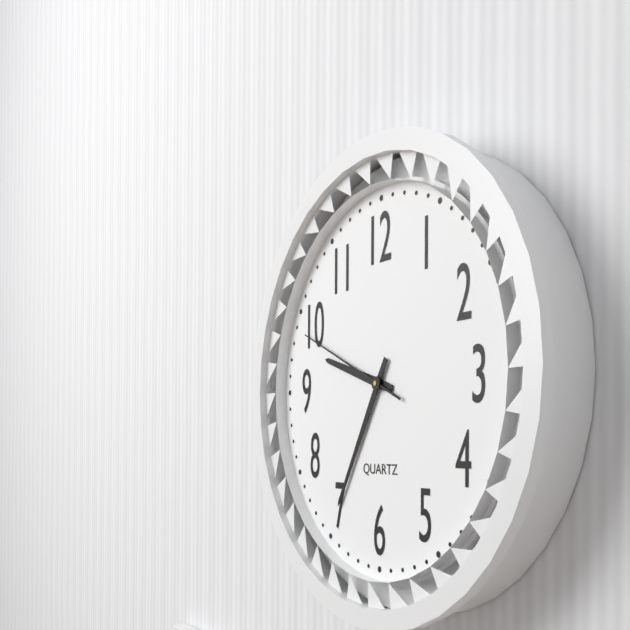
**9:35:49**
